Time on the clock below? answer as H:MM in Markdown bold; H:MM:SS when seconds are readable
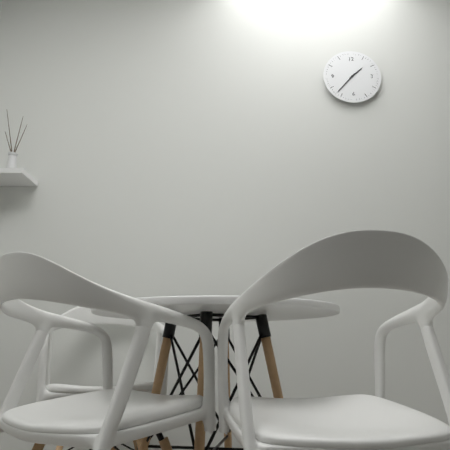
**1:37**
